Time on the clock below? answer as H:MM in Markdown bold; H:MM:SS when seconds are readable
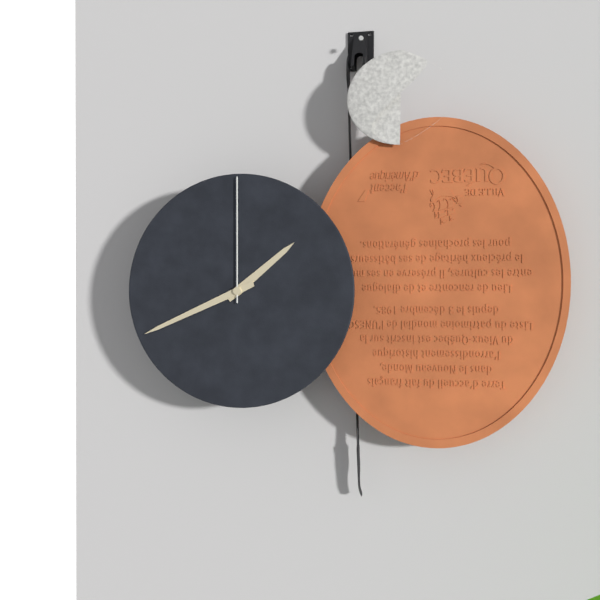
**1:41:00**
